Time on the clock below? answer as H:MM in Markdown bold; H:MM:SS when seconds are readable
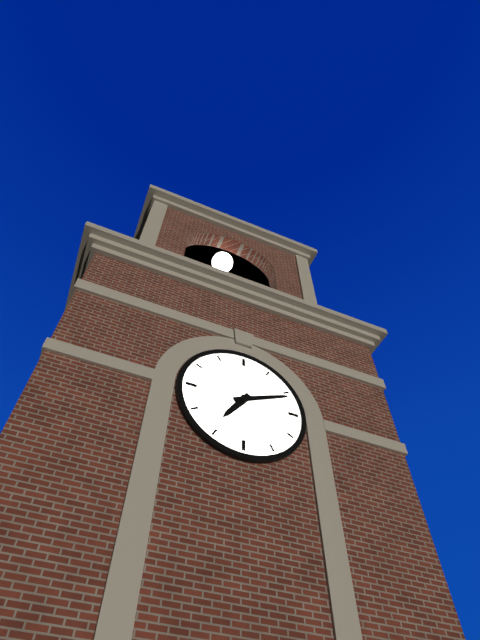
**7:11**
